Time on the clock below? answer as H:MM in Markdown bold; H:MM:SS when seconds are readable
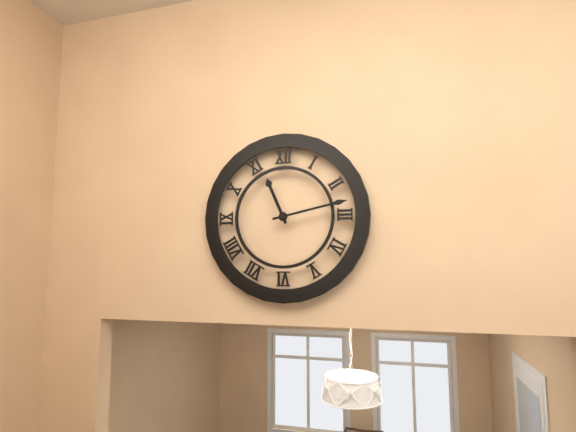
**11:13**
